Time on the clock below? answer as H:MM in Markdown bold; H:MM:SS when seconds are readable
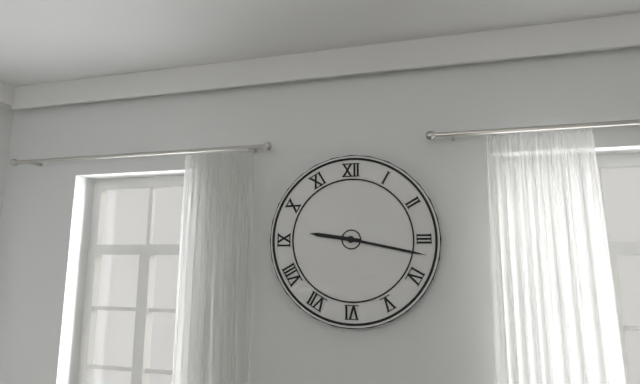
**9:17**
